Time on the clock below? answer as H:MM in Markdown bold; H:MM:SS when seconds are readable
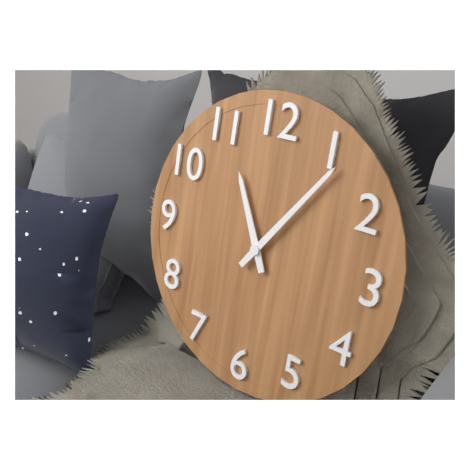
**11:06**
